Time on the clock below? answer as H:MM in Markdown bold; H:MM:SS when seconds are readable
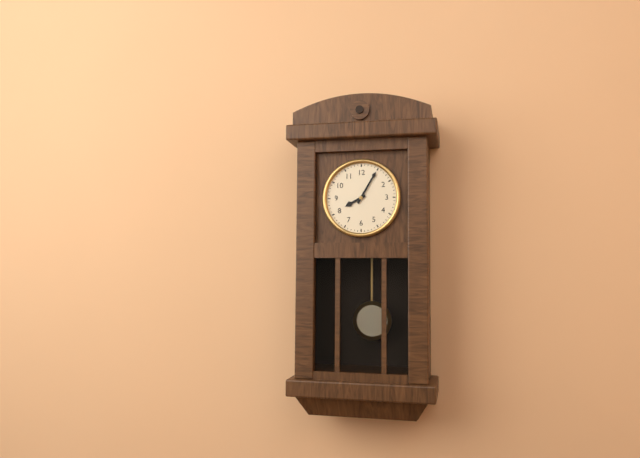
**8:05**
